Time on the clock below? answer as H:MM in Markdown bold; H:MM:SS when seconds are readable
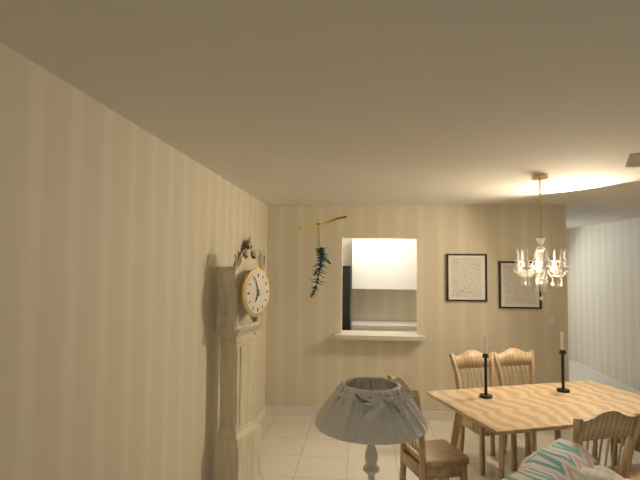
**6:56**
